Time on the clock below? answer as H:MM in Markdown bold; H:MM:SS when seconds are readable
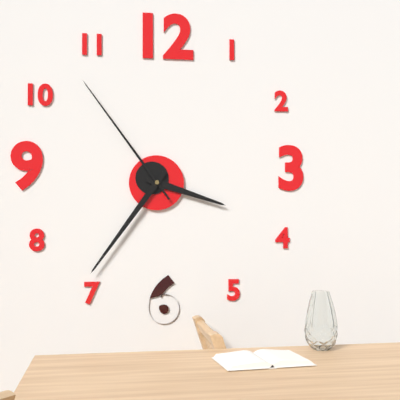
**3:36:54**
